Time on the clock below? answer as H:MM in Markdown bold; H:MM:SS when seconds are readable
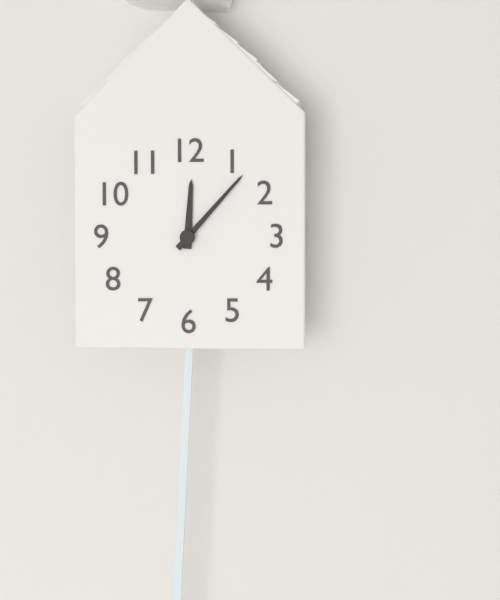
**12:07**
